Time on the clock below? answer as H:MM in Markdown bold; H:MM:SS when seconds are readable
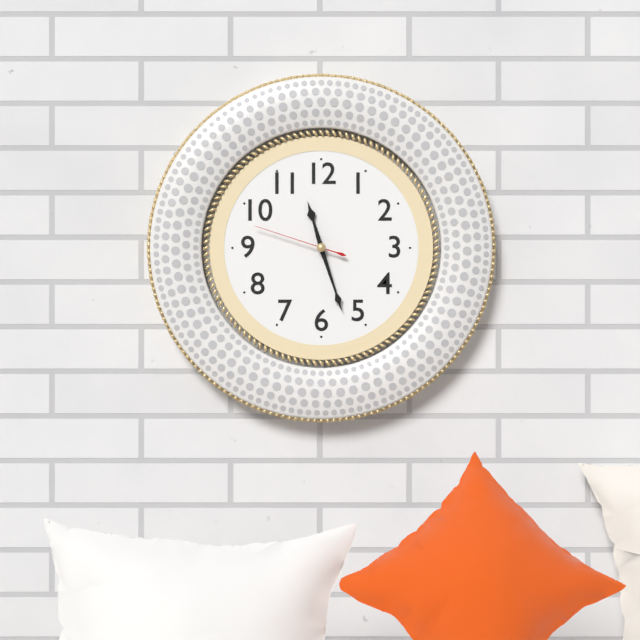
**11:27:48**
